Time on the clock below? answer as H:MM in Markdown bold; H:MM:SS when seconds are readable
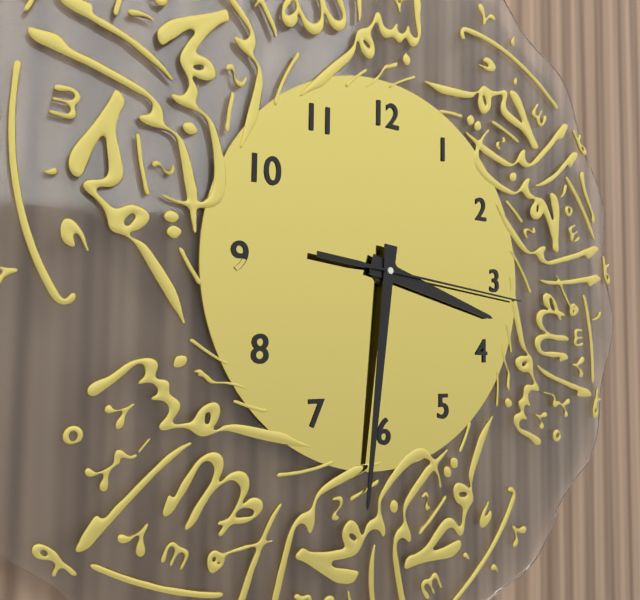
**3:31:16**
